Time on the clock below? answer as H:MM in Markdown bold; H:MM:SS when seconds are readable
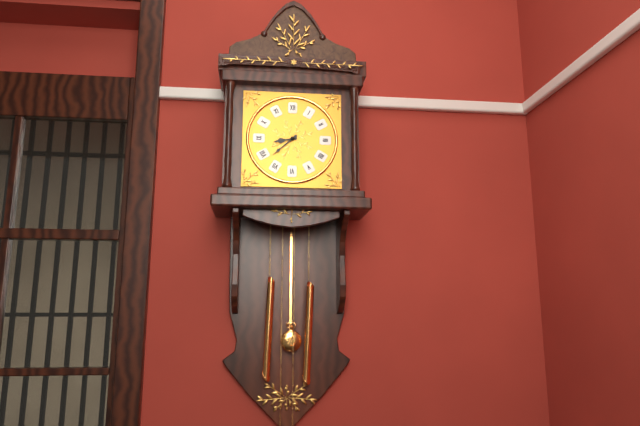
**8:38**
